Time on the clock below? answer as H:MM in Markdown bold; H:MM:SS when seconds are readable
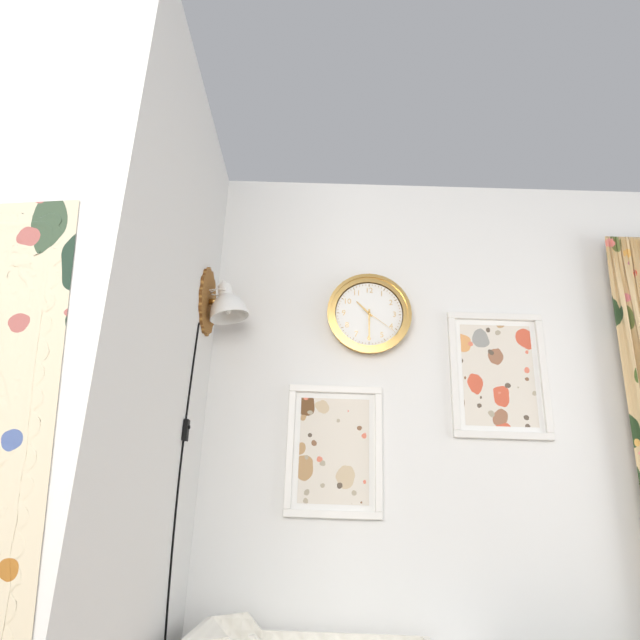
**10:30**
